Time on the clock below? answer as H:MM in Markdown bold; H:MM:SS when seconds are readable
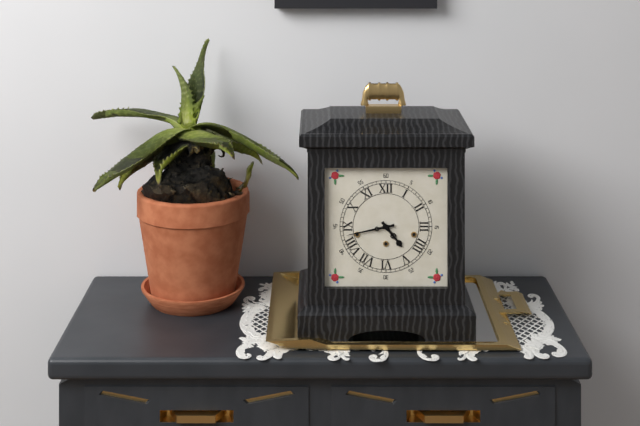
**4:43**
